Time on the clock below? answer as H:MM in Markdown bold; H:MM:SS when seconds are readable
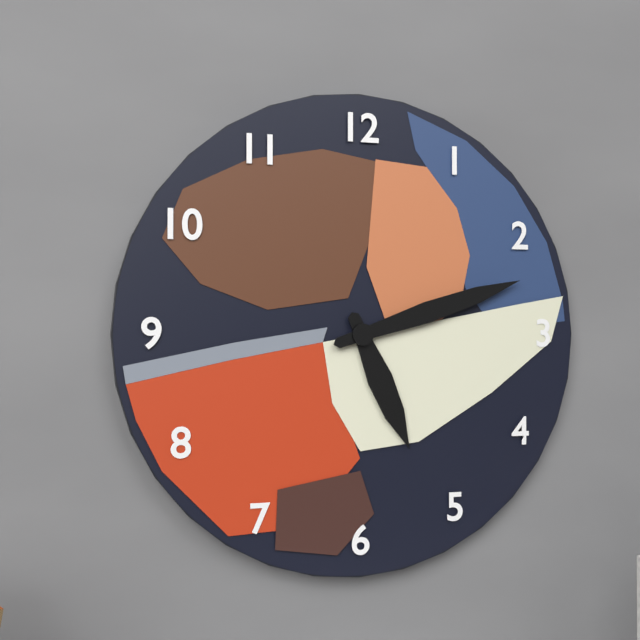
**5:12**
